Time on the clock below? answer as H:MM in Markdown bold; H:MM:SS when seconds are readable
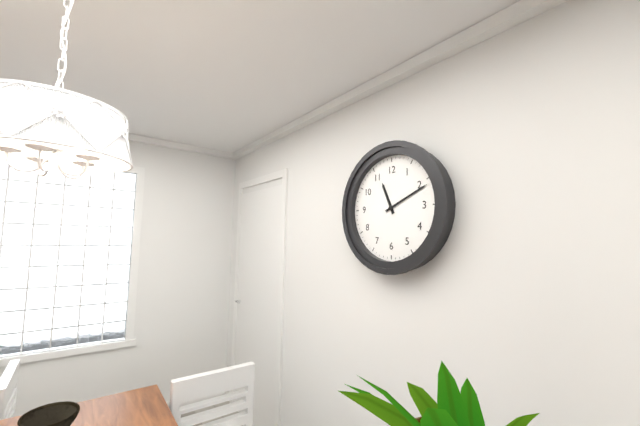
**11:11**
